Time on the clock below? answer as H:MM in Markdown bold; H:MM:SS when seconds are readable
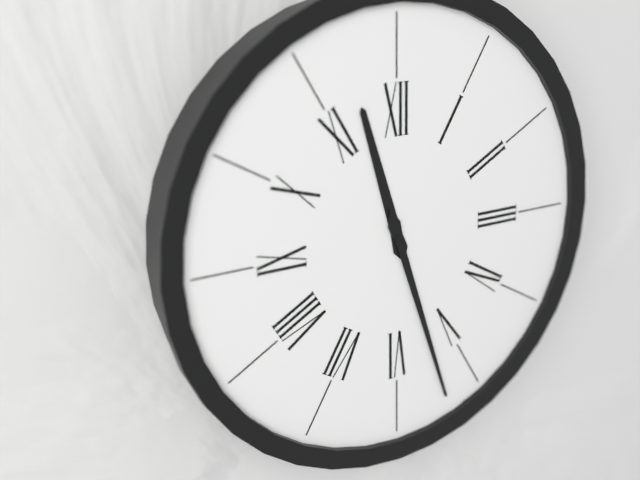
**11:27**
